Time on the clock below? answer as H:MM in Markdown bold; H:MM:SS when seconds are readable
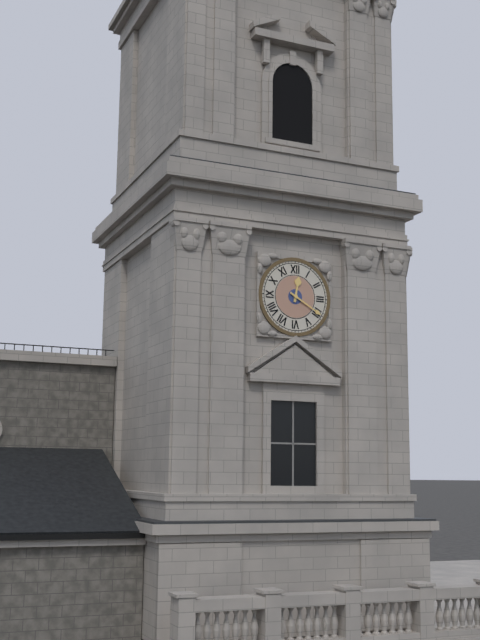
**12:20**
